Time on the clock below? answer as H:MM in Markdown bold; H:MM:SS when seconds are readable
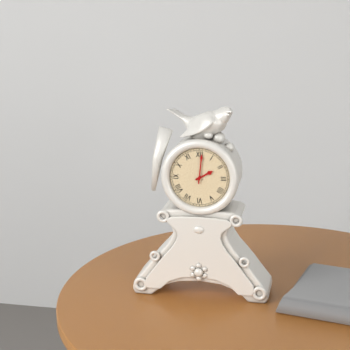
**2:01**
